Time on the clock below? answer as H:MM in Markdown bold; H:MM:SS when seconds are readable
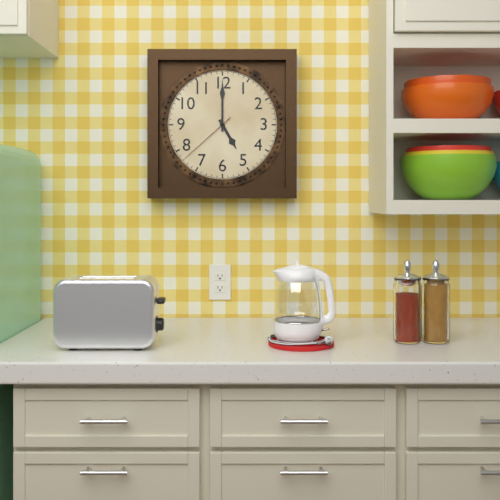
**5:00:38**
